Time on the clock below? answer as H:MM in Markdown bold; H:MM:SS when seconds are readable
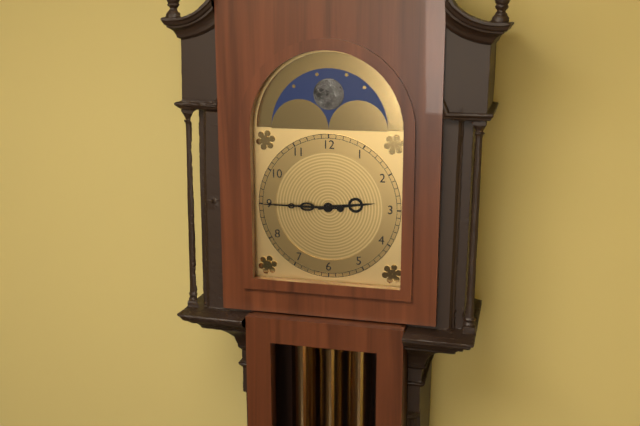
**2:45**
